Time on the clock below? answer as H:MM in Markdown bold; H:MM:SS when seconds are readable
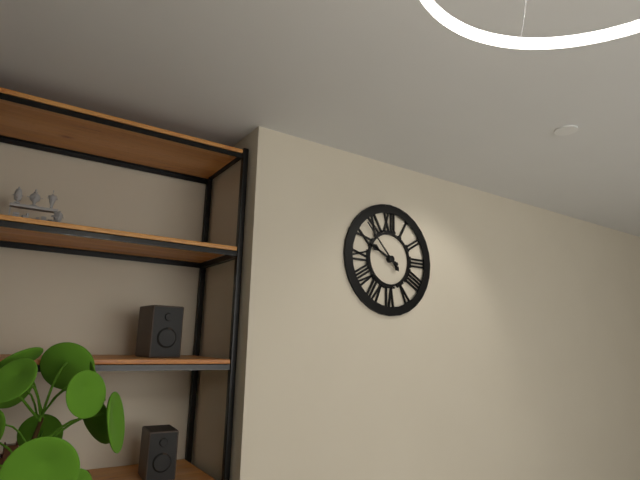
**9:53**
